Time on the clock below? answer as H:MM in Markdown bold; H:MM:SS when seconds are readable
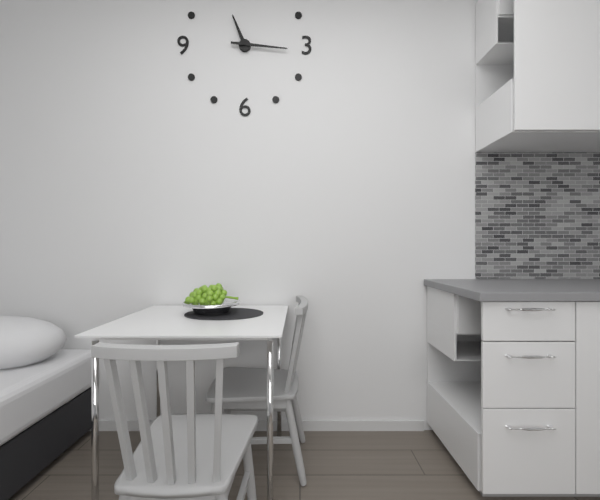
**11:16**
